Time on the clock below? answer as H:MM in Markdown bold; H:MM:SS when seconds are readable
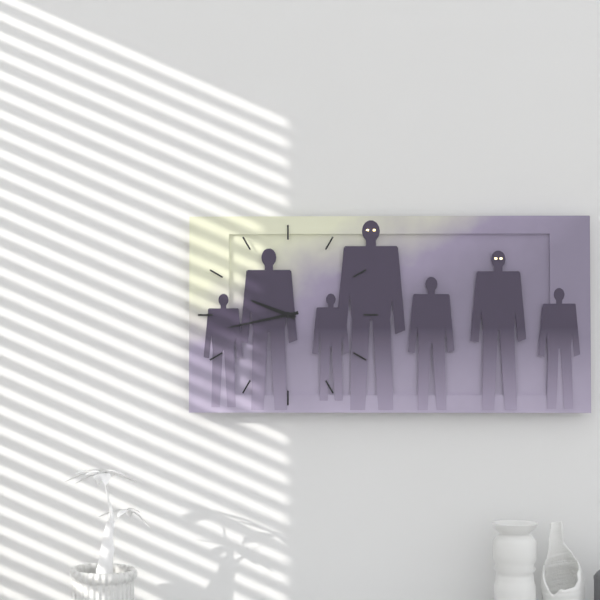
**9:43**
